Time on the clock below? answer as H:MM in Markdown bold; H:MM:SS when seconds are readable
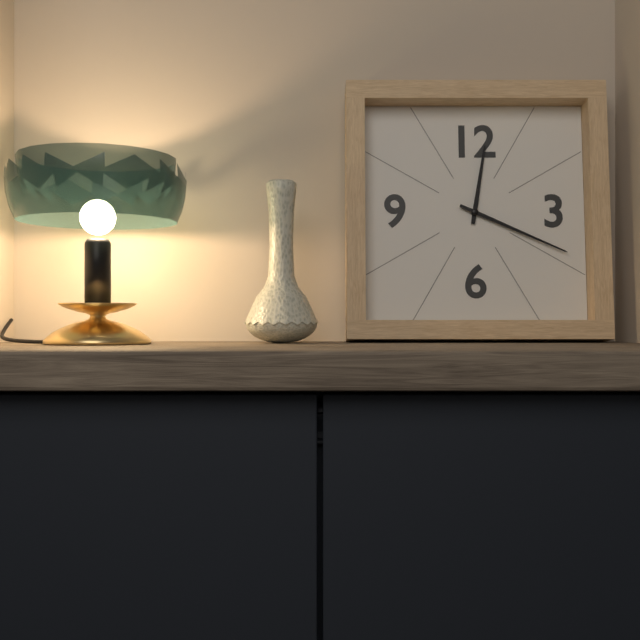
**12:19**
